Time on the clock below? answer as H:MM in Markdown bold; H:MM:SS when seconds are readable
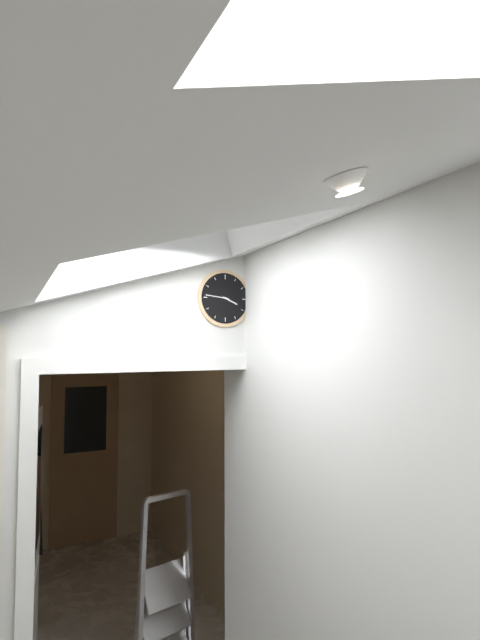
**3:46**
